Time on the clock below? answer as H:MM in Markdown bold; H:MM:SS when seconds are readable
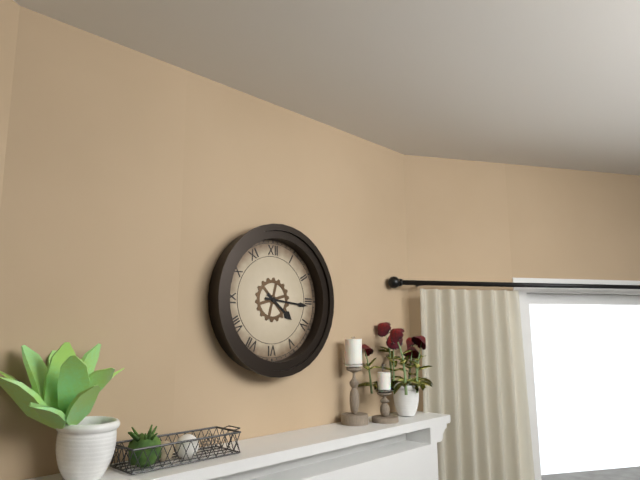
**4:16**
